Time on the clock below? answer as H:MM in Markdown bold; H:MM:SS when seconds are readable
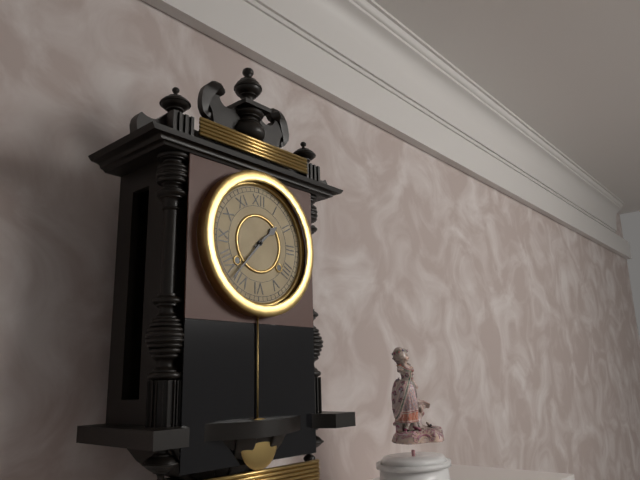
**1:37**
